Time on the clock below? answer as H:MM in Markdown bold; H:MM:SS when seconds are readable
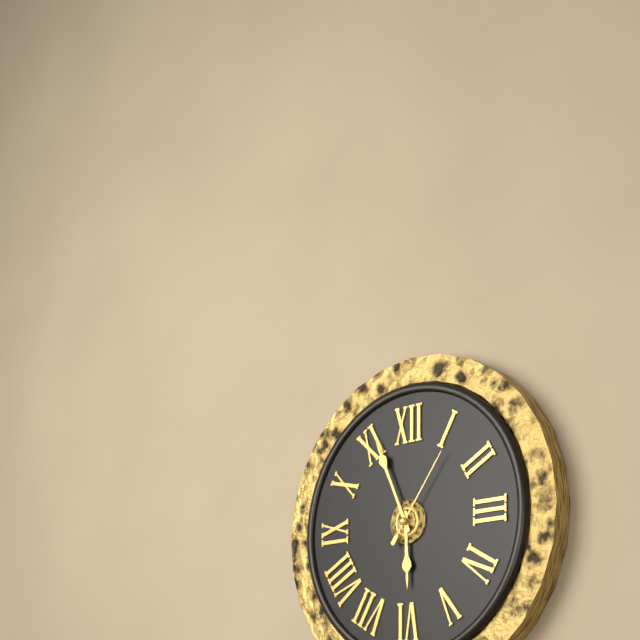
**5:56:06**
